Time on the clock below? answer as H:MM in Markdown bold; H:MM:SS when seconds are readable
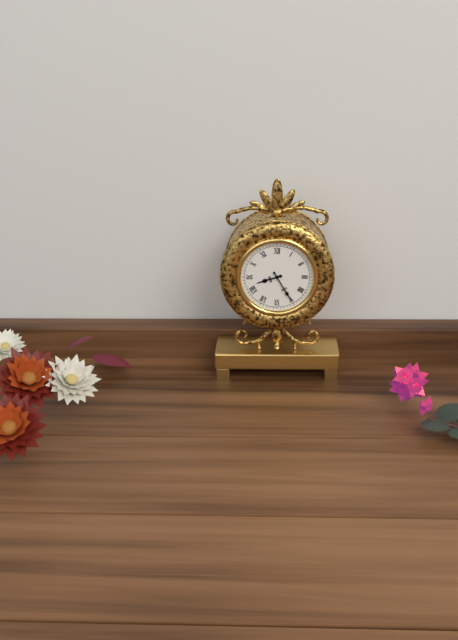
**8:25**
